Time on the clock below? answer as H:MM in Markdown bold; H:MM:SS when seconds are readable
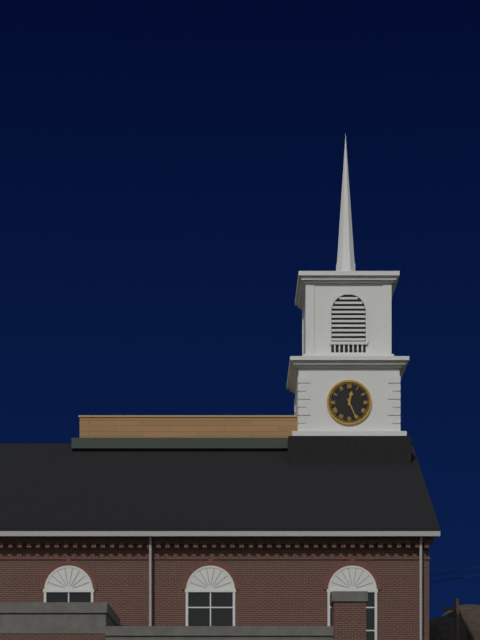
**12:26**
